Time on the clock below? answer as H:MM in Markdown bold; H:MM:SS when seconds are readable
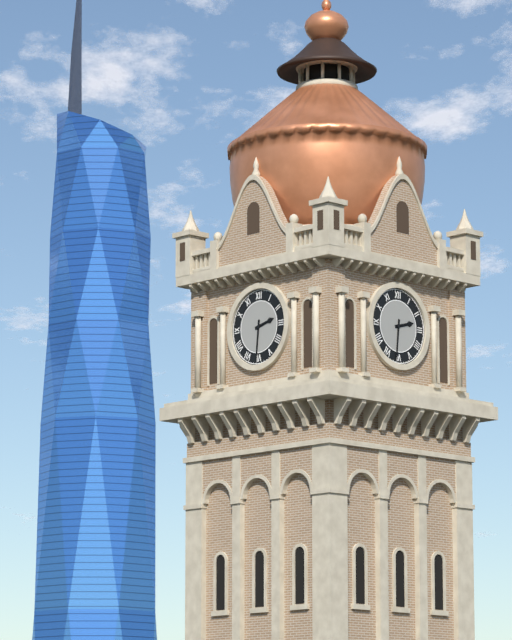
**2:31**
